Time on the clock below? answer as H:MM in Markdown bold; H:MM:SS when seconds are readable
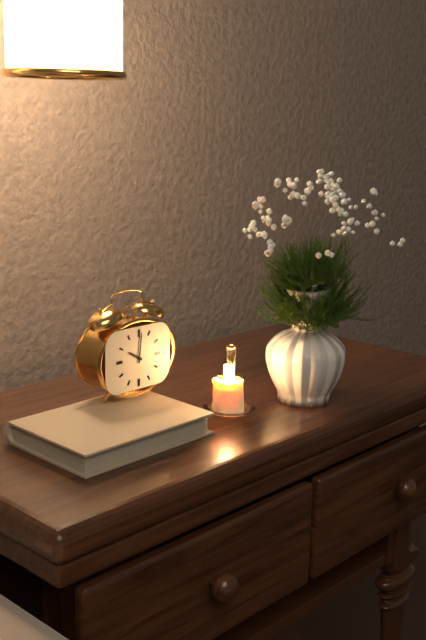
**10:01**
